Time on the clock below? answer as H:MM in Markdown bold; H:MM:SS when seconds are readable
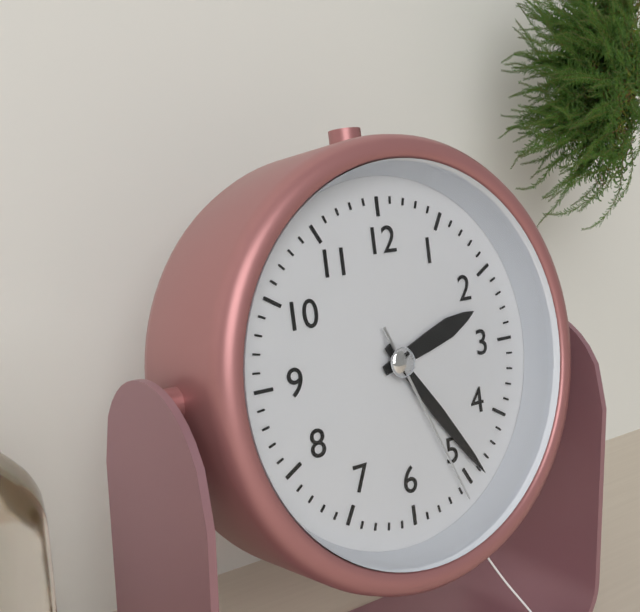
**2:24:26**
